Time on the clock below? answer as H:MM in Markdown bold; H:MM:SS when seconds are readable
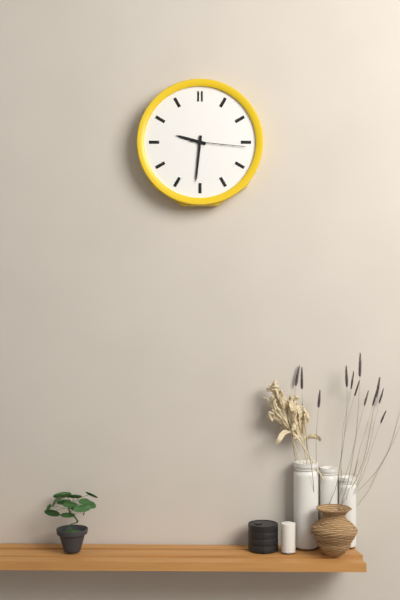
**9:31:16**
